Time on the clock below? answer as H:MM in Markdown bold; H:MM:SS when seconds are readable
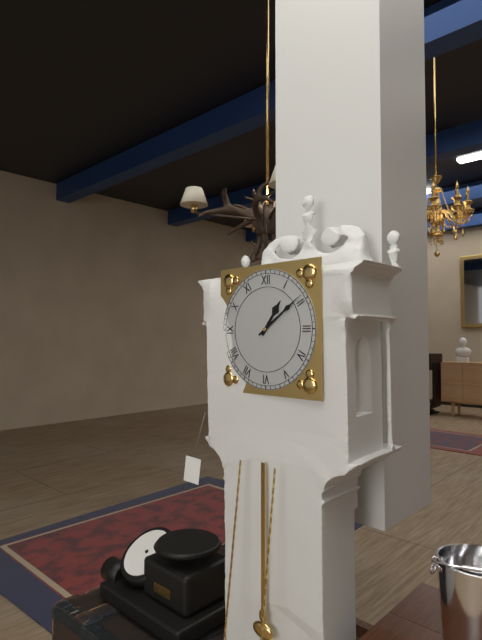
**1:09**
